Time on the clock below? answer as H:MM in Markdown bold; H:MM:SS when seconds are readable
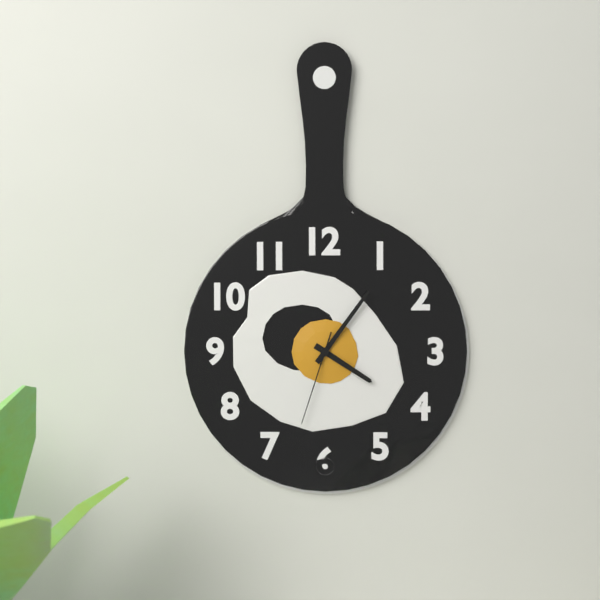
**4:06:33**
